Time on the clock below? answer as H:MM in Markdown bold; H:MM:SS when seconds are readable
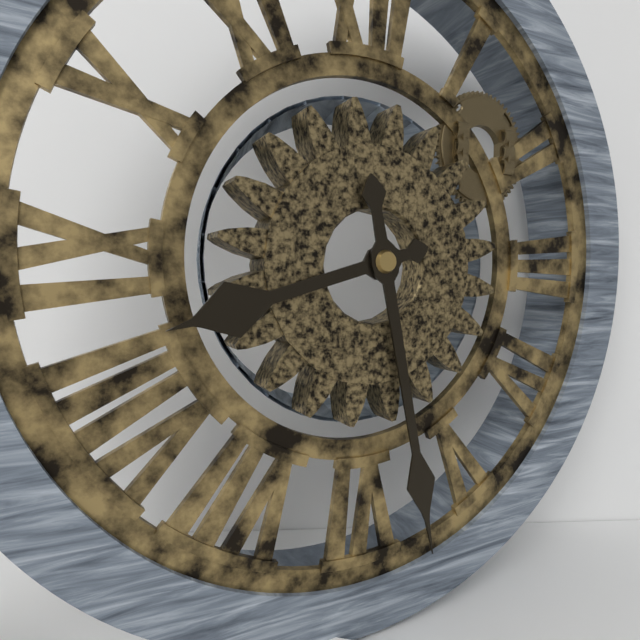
**8:28**
